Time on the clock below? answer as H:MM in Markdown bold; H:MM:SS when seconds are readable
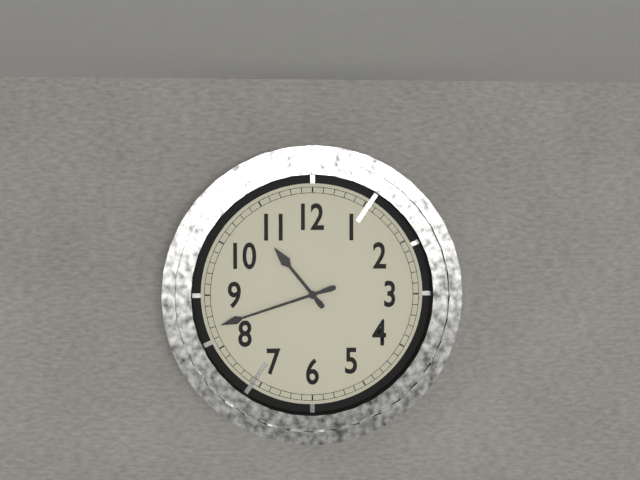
**10:42**
